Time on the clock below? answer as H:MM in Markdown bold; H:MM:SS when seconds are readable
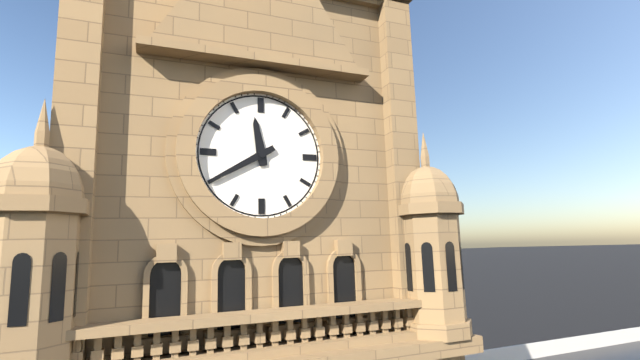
**11:40**
